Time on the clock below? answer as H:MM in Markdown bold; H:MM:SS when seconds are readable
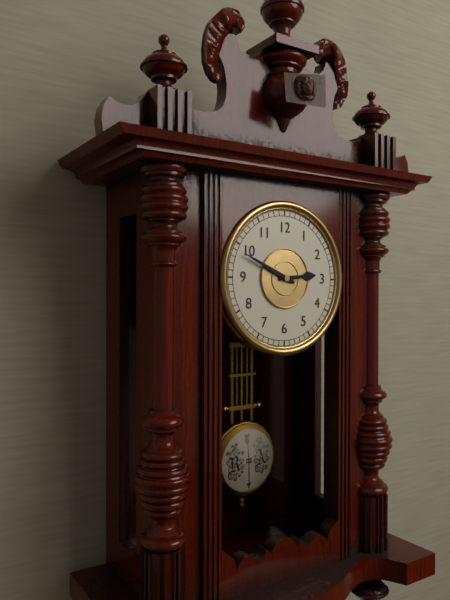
**2:49**
